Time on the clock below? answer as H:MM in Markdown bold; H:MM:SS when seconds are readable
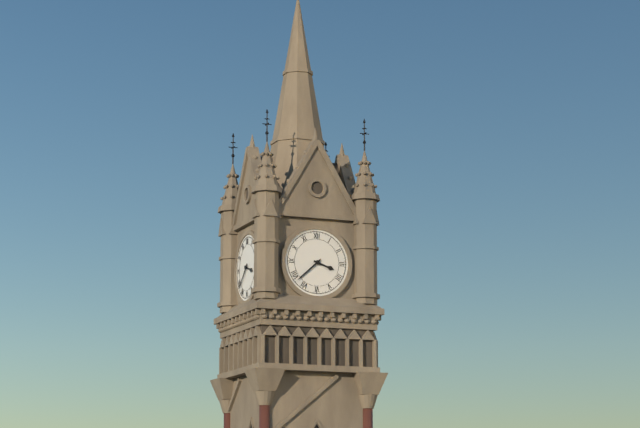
**3:38**
